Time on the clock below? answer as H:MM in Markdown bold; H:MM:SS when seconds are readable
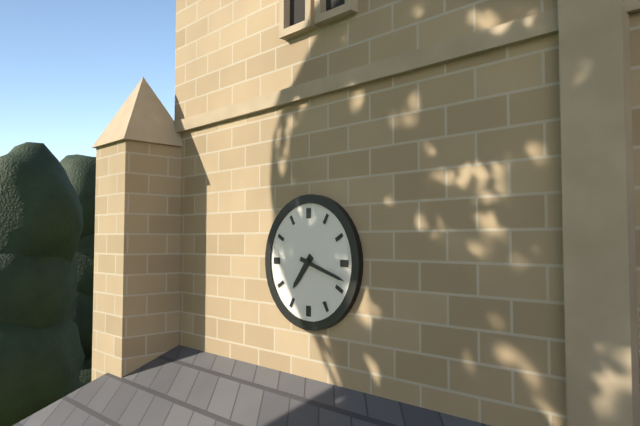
**7:18**
